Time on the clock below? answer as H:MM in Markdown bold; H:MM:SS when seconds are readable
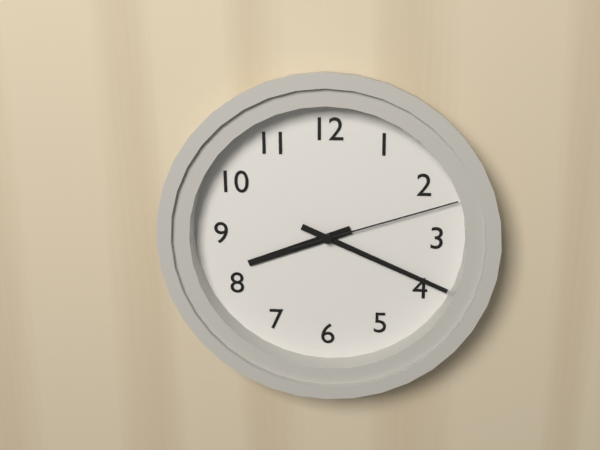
**8:19:12**
